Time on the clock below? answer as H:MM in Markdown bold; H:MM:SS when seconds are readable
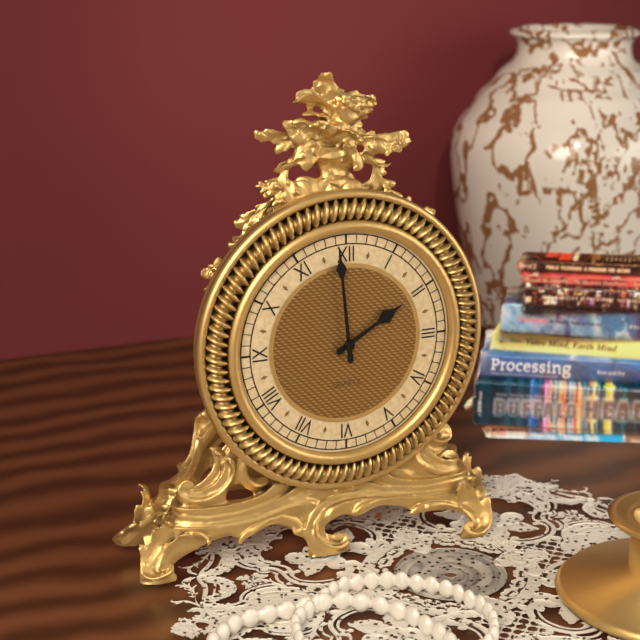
**1:59**
